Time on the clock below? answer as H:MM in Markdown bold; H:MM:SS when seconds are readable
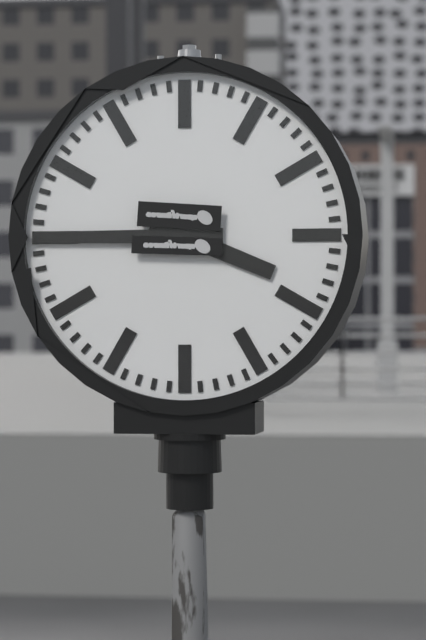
**3:45**
